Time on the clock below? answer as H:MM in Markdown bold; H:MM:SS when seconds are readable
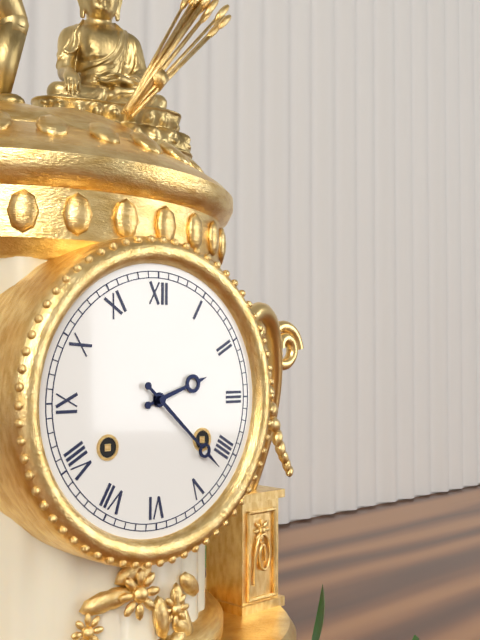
**2:22**
